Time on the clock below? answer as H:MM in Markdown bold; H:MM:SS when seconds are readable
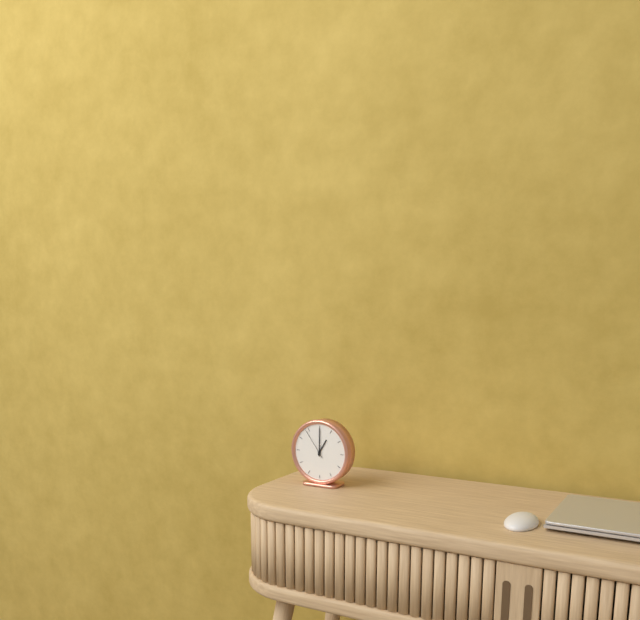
**1:00**
